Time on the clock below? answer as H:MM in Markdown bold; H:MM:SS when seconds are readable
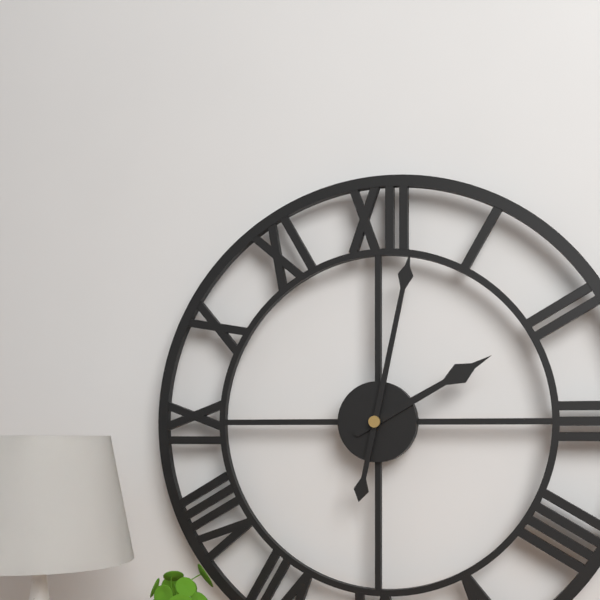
**2:02**
